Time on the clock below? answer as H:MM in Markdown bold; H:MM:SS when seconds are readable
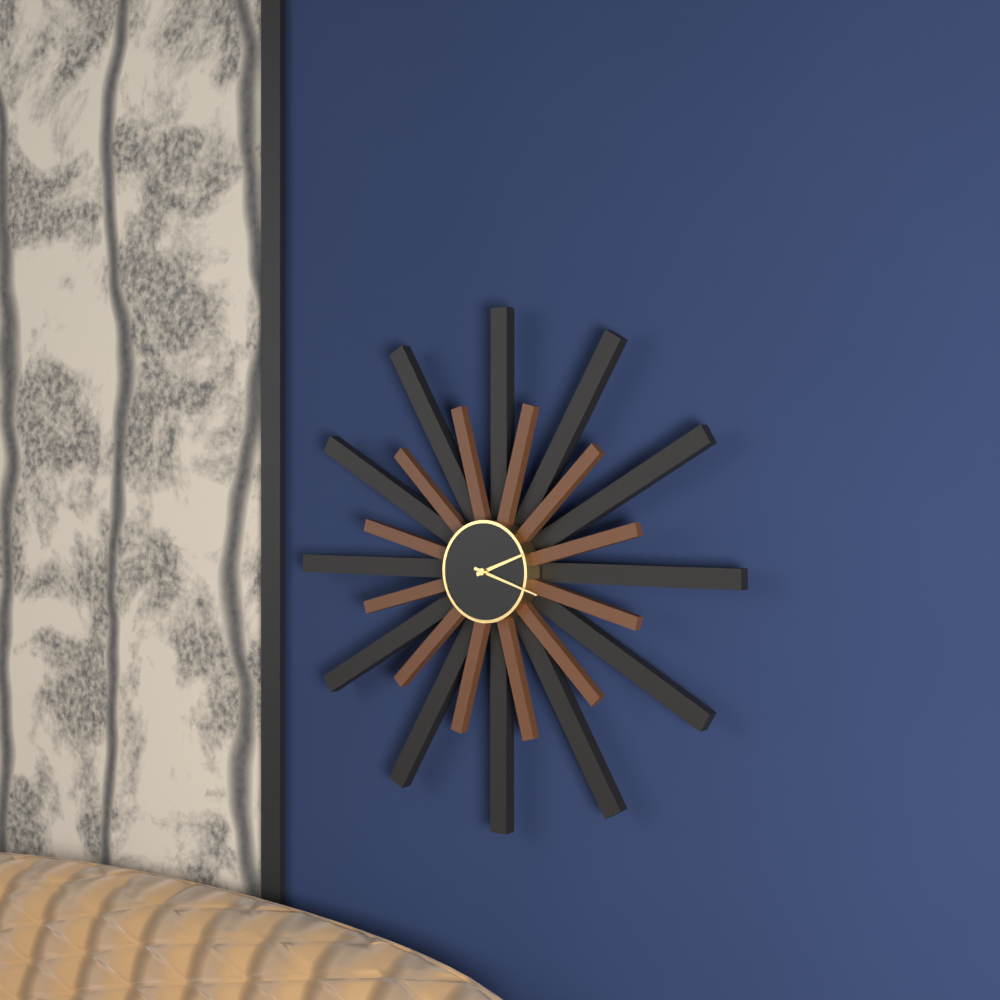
**2:18**
